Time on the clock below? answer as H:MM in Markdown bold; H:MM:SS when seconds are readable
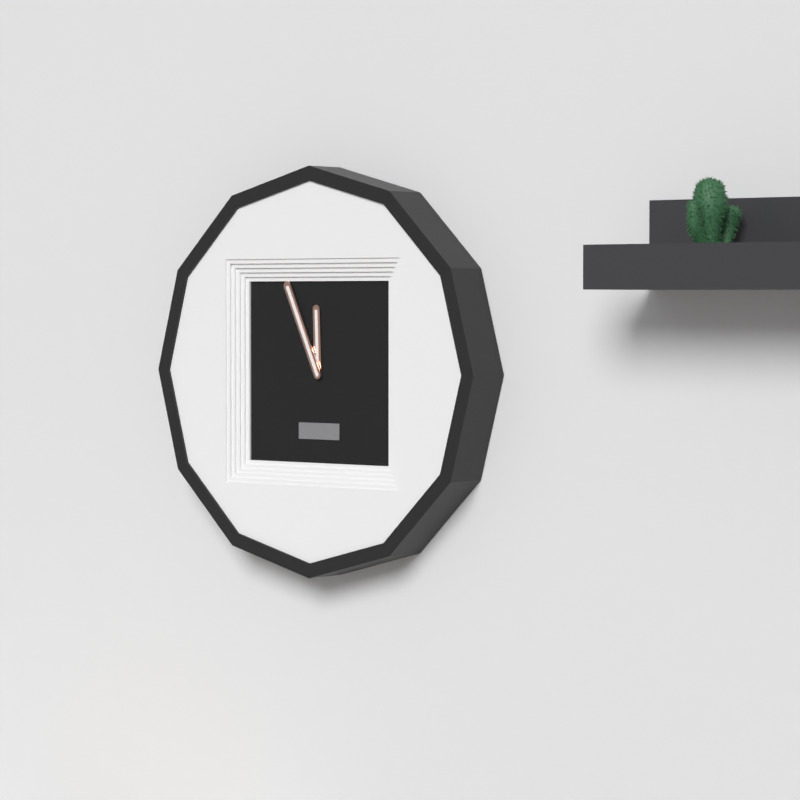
**11:56**
